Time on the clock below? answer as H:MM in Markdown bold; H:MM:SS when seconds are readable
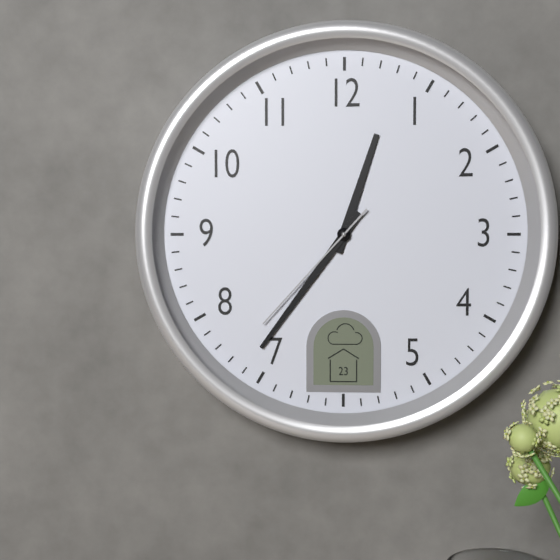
**12:36:37**
